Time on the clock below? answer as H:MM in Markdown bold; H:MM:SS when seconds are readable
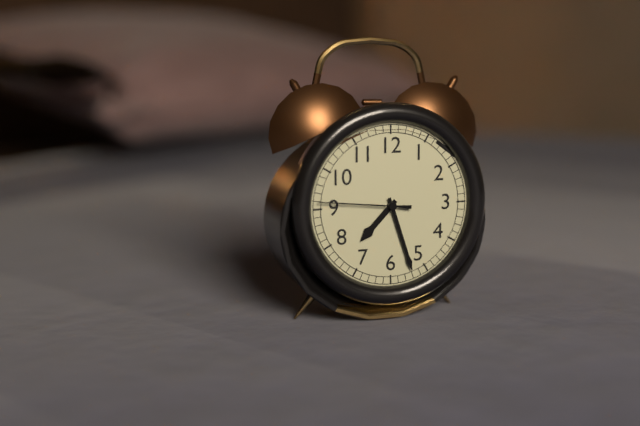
**7:27:46**
